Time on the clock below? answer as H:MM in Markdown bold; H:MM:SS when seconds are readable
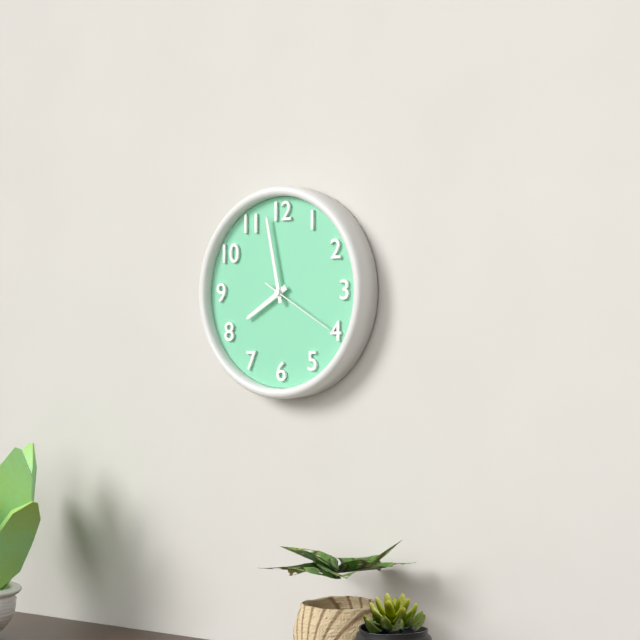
**7:58:20**
